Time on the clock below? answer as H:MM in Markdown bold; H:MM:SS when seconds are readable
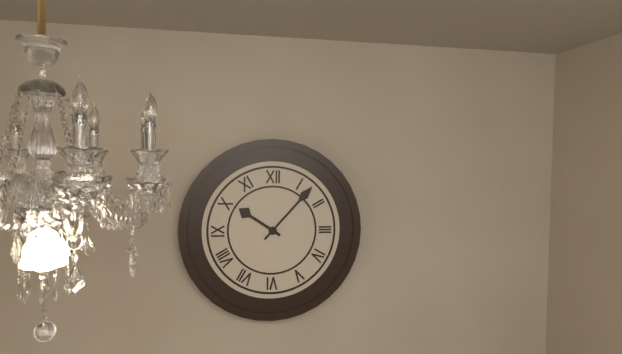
**10:07**
